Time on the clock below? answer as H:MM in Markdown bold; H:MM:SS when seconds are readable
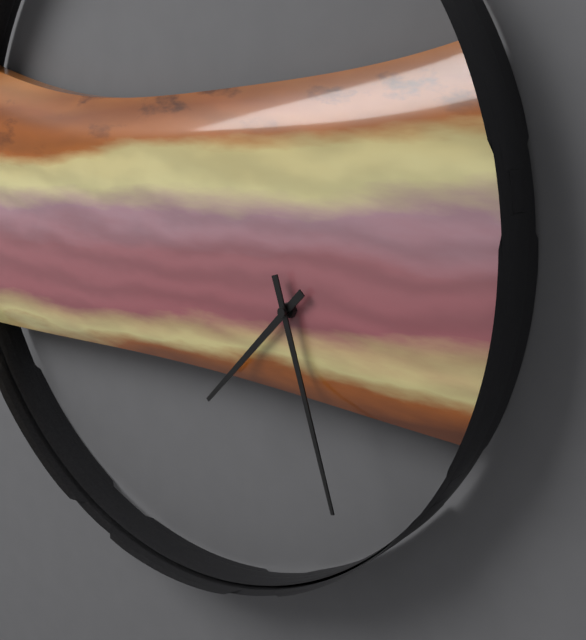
**7:27**
